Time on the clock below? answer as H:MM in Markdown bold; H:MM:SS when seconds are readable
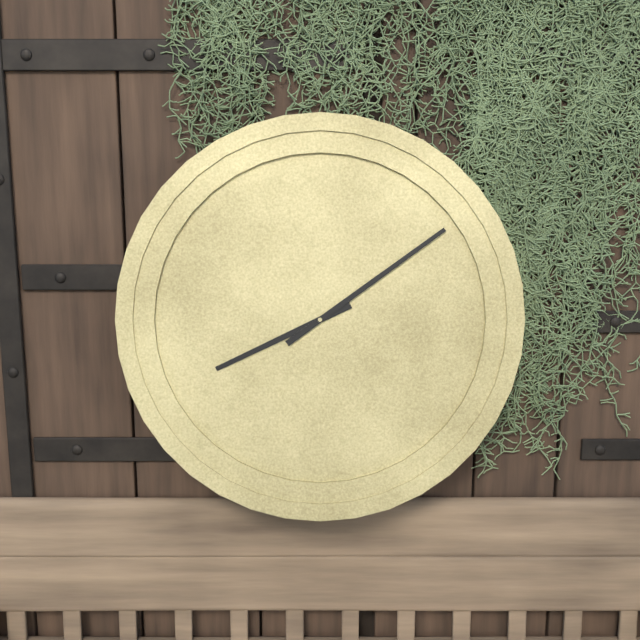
**8:09**
